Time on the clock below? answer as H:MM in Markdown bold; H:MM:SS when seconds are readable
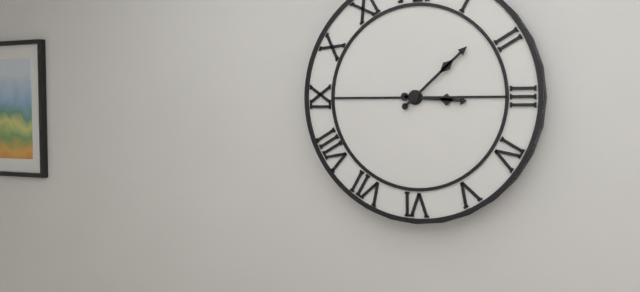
**3:08**
